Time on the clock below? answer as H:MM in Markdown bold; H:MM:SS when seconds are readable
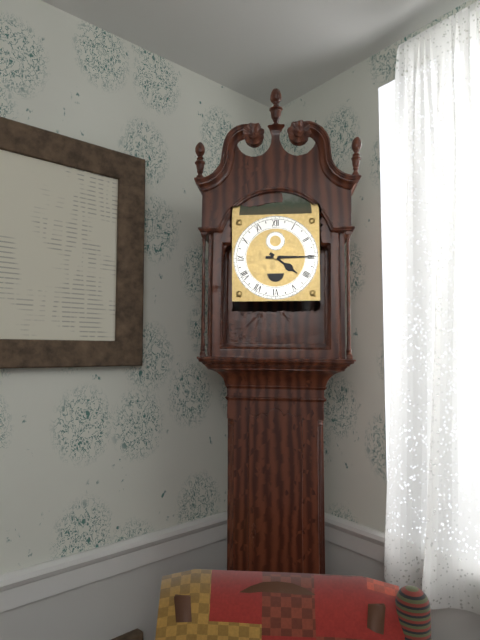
**4:15**
